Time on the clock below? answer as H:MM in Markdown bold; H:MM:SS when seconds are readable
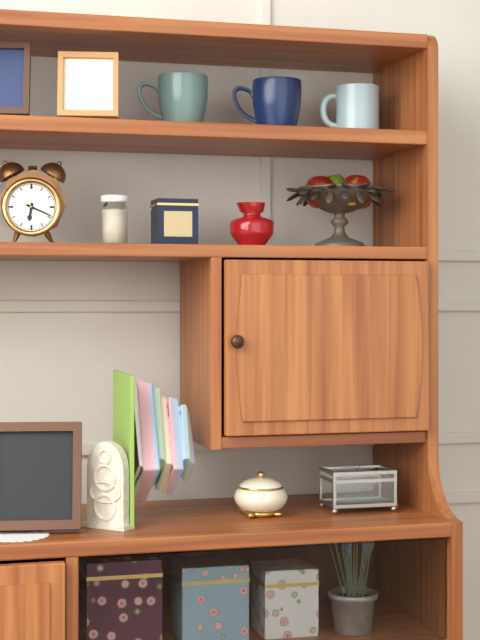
**6:19**
